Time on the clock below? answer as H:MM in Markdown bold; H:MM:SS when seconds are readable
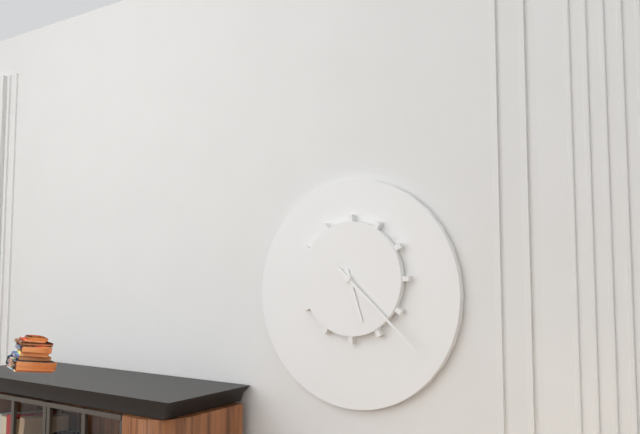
**5:22**
